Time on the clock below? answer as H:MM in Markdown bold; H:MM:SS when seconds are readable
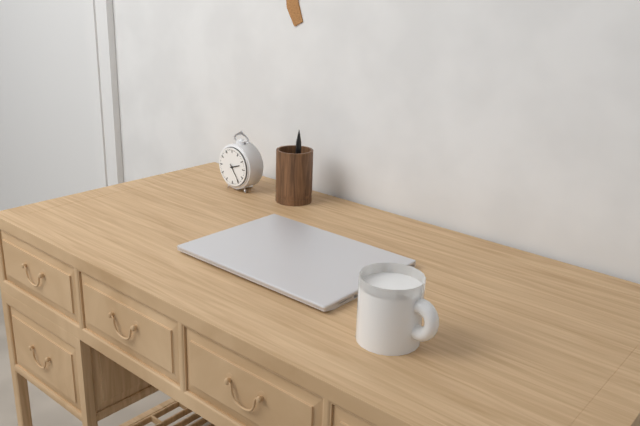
**2:24**
